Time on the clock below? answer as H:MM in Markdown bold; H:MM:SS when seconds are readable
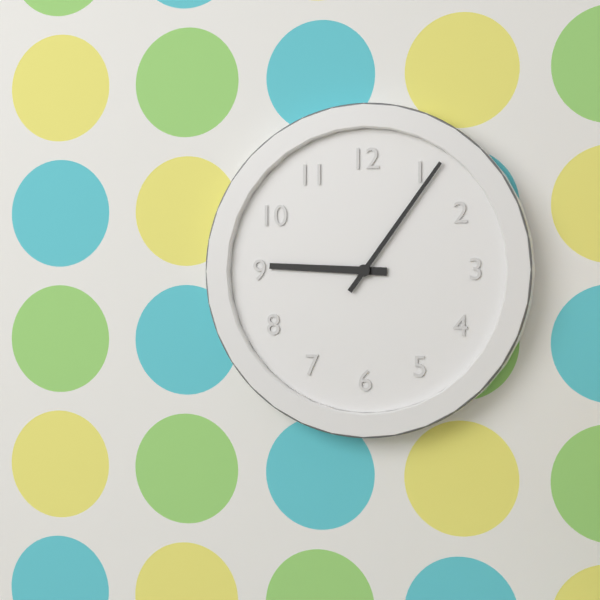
**9:06**
